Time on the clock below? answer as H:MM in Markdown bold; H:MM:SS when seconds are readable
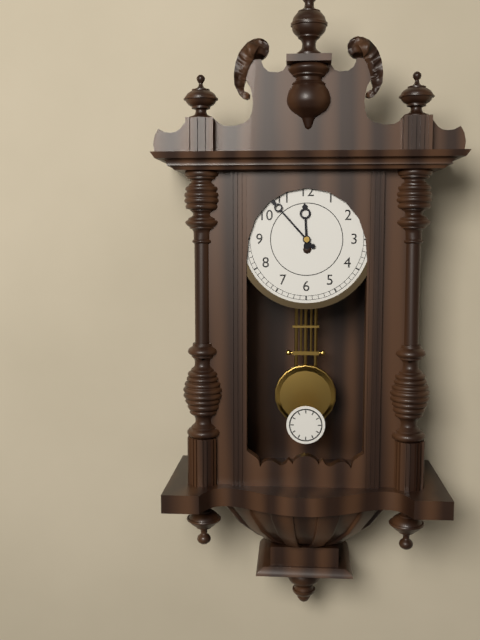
**11:53**
